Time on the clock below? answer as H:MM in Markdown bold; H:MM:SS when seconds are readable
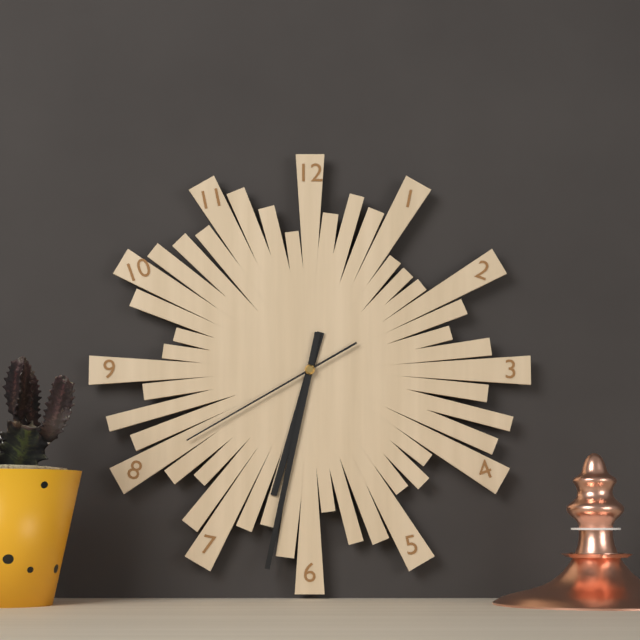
**6:32:40**
